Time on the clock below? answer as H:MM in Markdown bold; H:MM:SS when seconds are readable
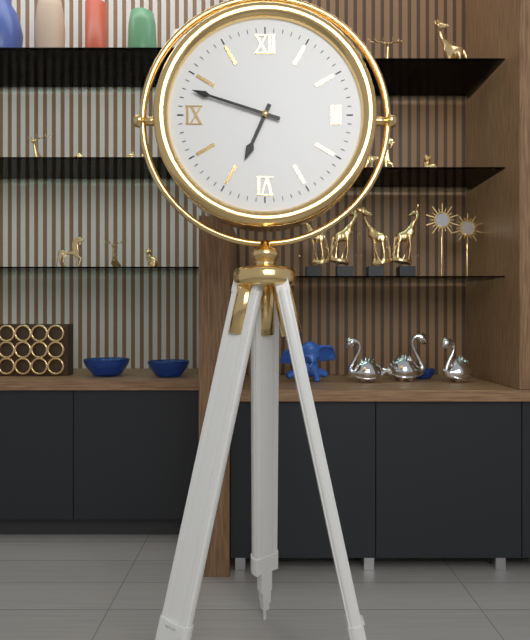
**6:48**
